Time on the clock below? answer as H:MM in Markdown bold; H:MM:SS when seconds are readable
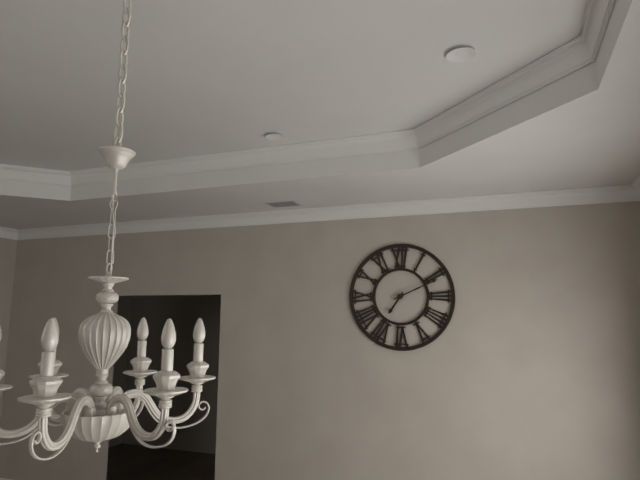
**7:11**
